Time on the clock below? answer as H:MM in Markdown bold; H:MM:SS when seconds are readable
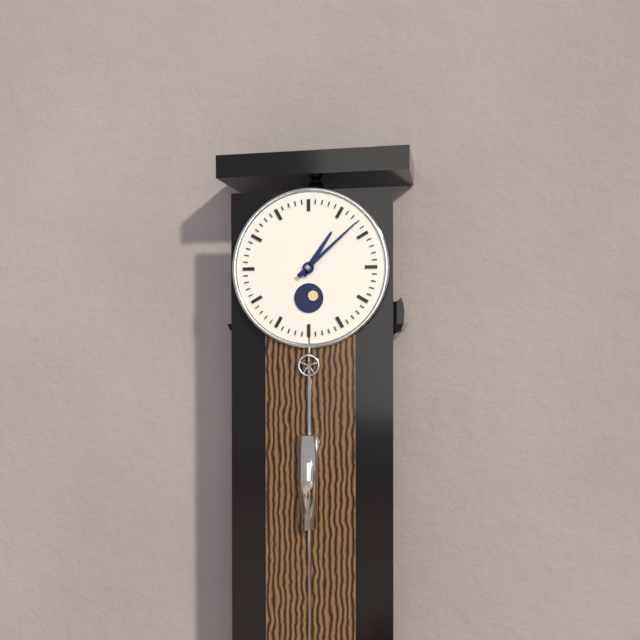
**1:08**
